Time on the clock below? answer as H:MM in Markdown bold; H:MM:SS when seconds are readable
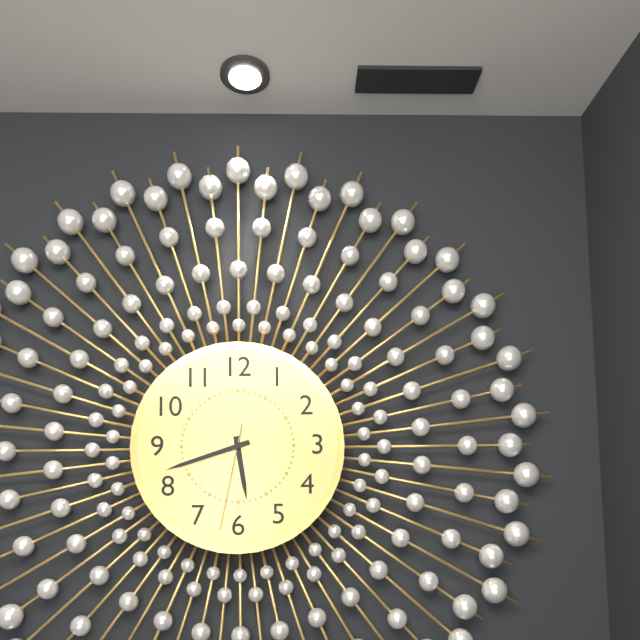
**5:42:32**
